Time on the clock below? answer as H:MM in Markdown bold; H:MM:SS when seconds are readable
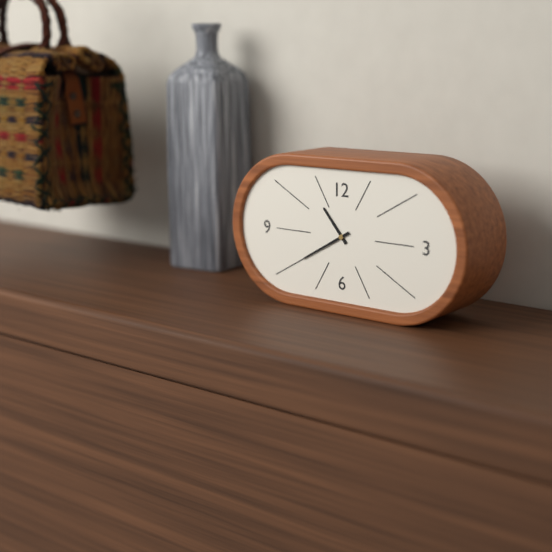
**10:40**
